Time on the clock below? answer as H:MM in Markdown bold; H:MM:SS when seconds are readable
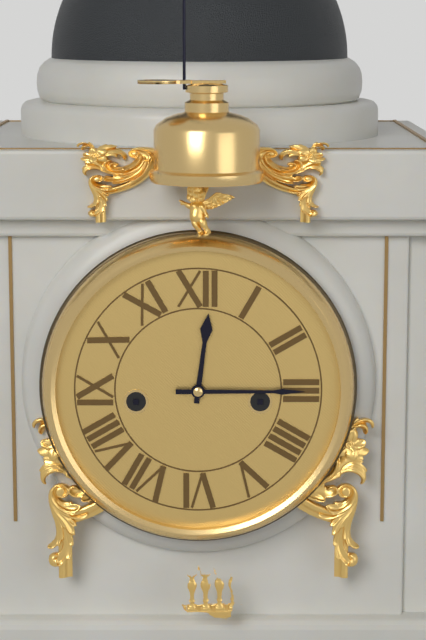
**12:15**
